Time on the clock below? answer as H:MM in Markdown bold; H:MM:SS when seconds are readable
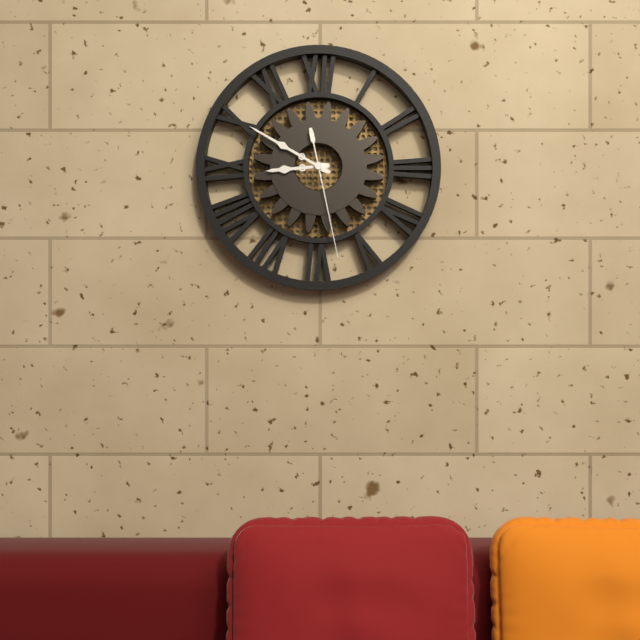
**8:50:28**
